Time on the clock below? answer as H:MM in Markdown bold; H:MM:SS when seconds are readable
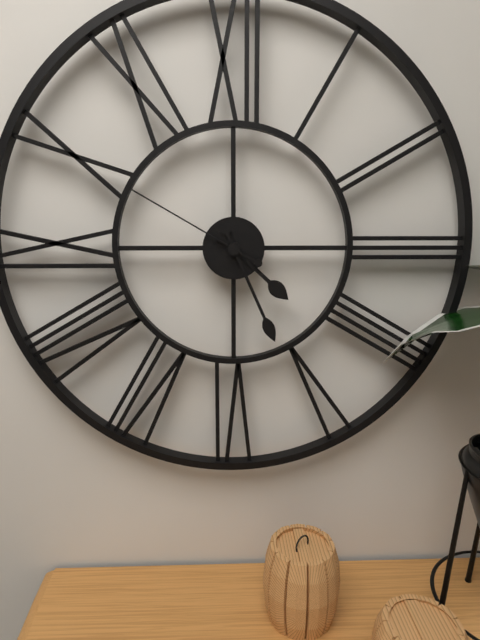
**4:26:50**
